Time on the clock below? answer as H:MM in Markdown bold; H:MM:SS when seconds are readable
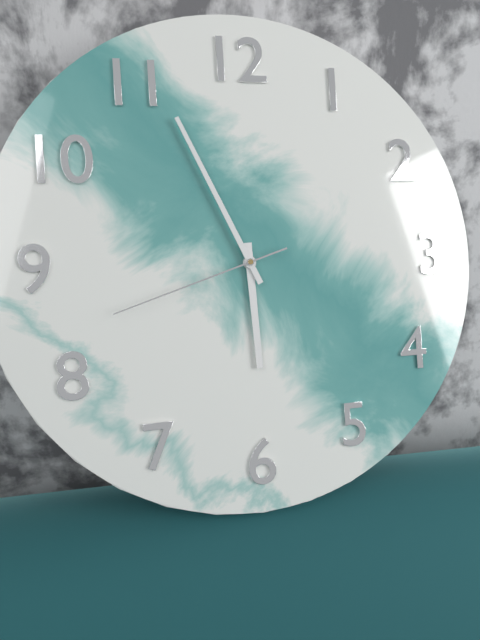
**5:56:42**
